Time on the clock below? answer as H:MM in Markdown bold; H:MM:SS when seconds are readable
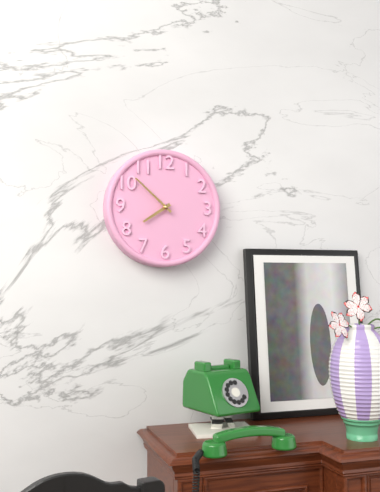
**7:52**
